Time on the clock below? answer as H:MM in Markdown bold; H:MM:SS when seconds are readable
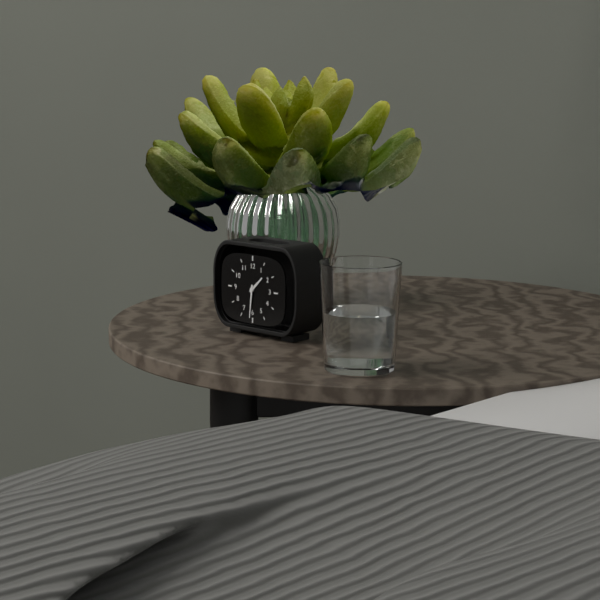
**1:31**
